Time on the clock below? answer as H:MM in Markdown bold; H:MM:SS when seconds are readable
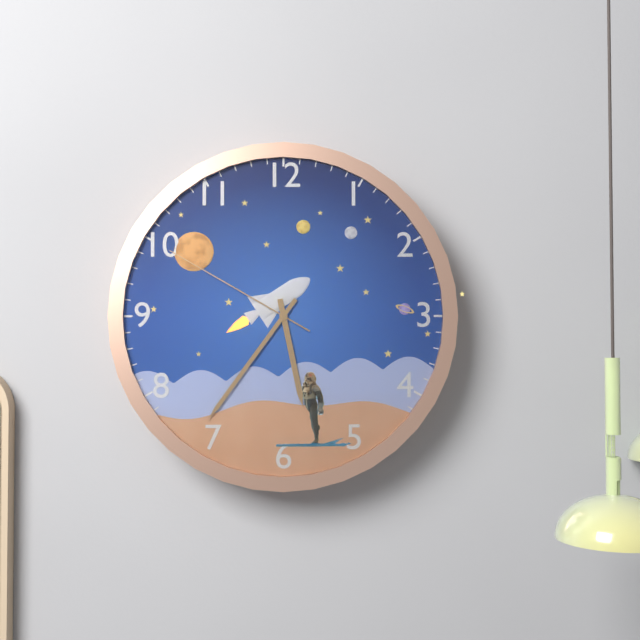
**5:36:50**
